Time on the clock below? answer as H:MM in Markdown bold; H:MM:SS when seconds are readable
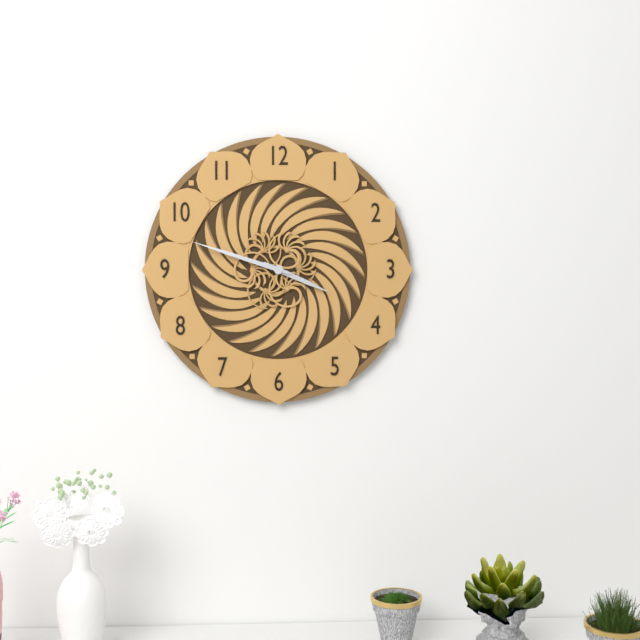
**3:48**
